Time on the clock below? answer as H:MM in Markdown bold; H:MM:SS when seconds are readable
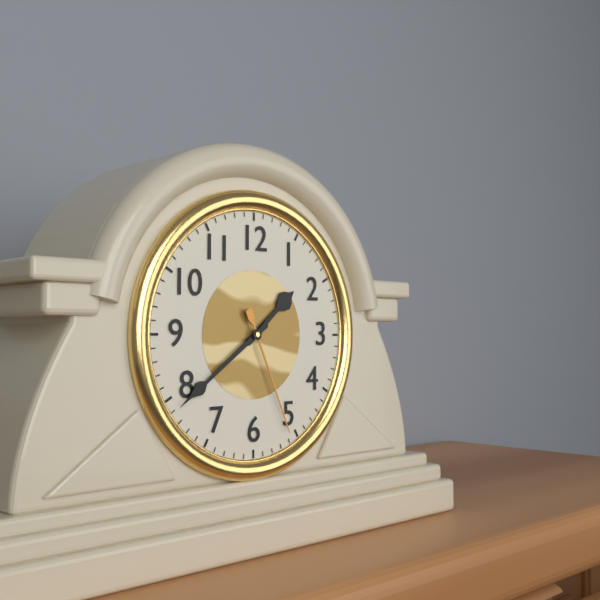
**1:39:26**
